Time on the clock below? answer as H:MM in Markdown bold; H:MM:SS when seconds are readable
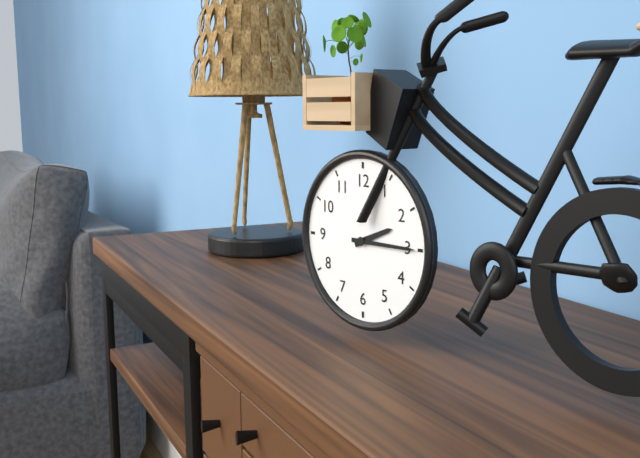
**2:15**
